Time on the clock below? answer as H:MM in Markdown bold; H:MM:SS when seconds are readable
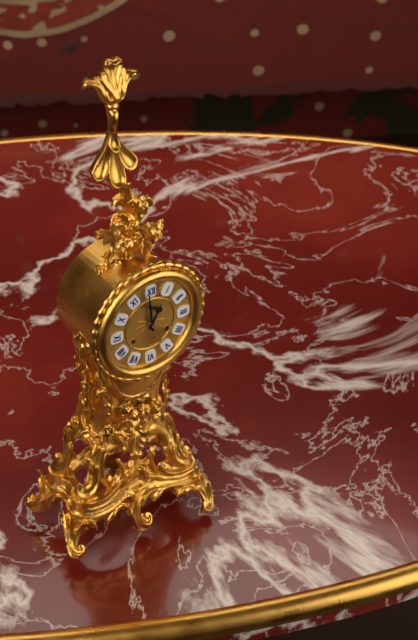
**12:59**
